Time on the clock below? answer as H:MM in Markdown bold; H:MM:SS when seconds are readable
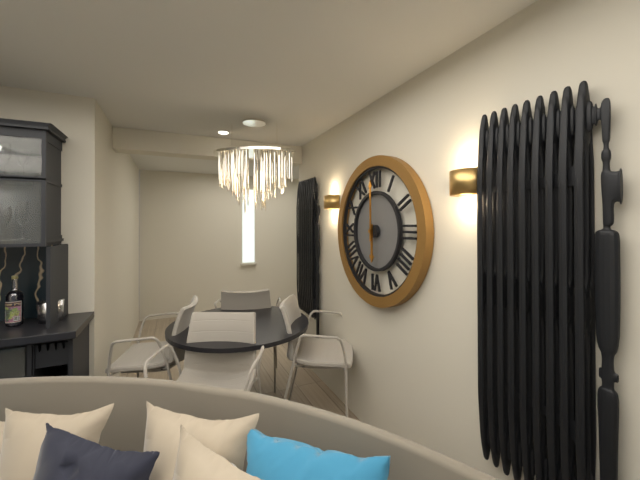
**6:00**
